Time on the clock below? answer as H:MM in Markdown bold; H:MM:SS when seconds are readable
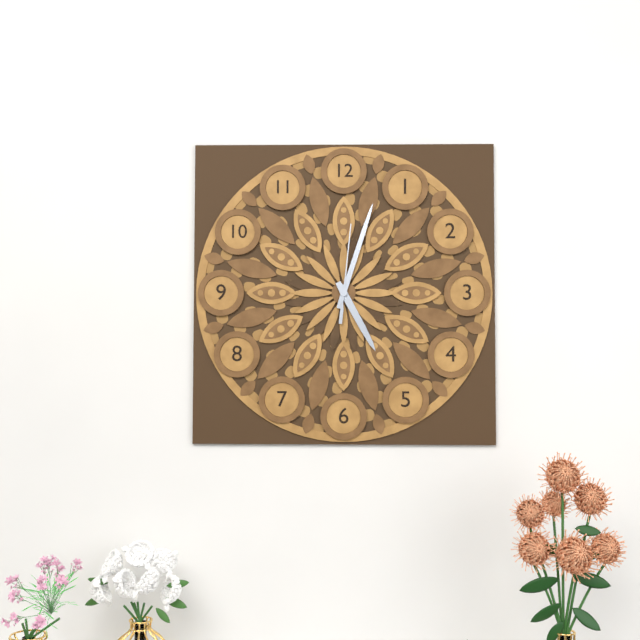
**5:03:01**
